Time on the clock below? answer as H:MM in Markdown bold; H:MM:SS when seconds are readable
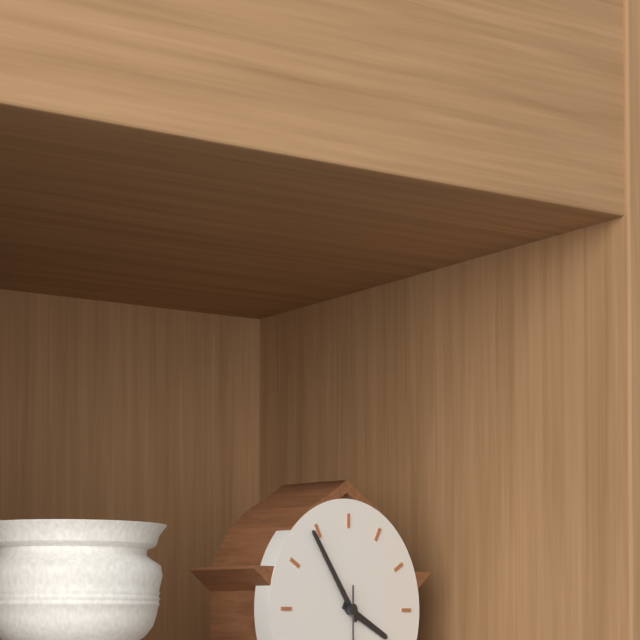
**3:54**
